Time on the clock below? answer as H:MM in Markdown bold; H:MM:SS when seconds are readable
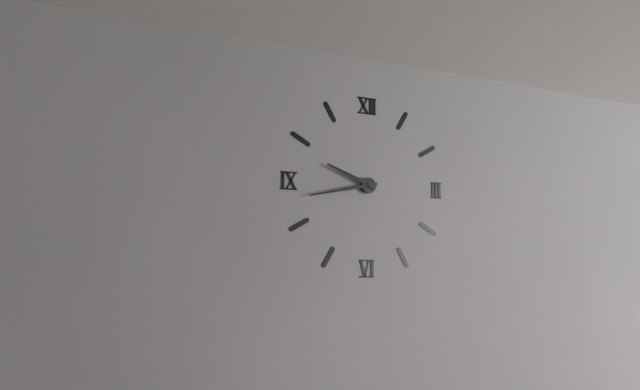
**9:43**
